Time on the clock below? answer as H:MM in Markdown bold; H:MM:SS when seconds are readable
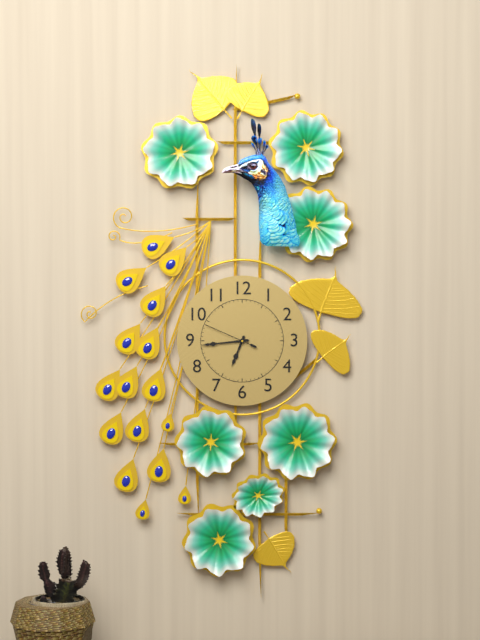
**6:44:49**
